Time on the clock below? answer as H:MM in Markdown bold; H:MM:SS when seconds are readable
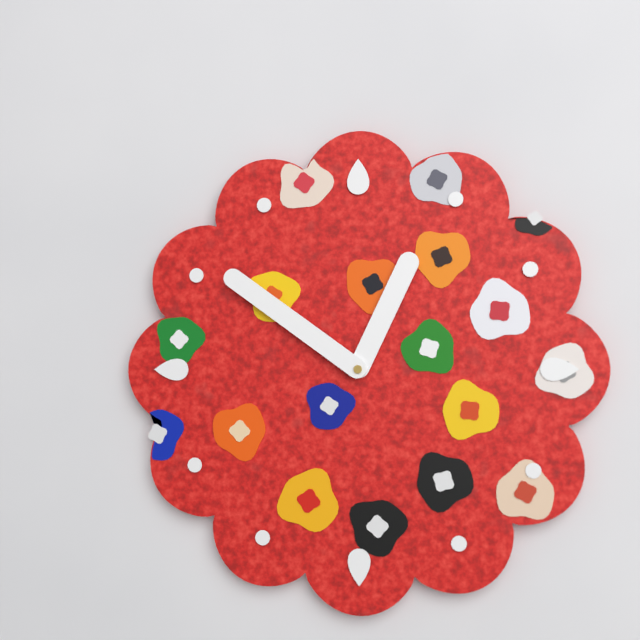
**12:51**
